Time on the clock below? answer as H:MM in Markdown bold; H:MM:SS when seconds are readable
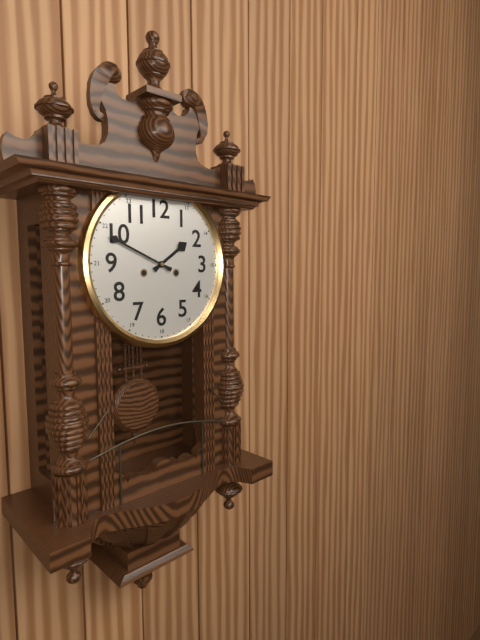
**1:49**
